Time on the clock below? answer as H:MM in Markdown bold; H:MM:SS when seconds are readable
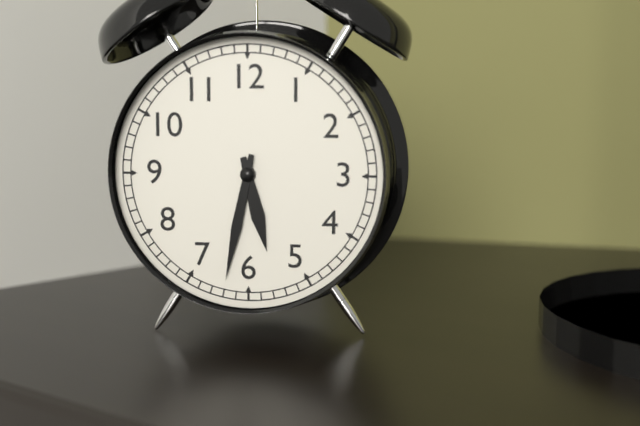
**5:32**
